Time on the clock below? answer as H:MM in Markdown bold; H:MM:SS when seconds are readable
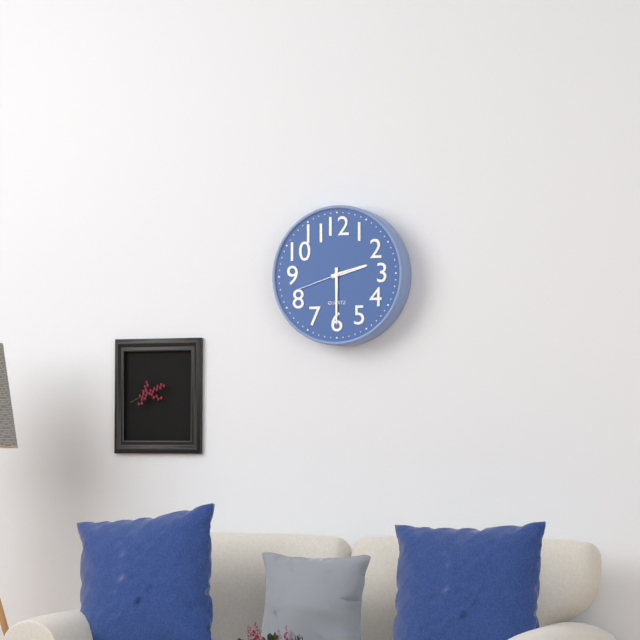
**2:30:42**
